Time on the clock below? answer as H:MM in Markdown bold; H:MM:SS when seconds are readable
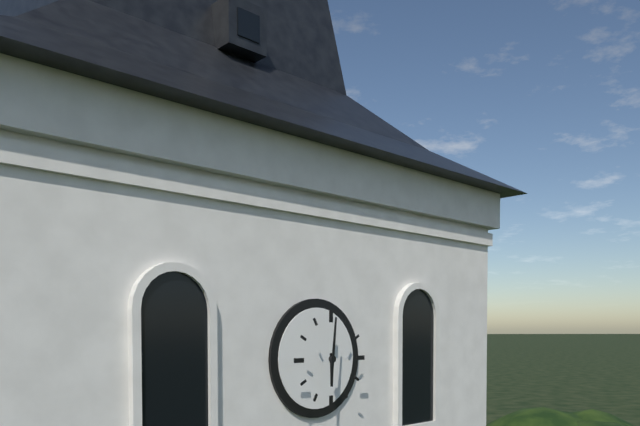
**6:01**
